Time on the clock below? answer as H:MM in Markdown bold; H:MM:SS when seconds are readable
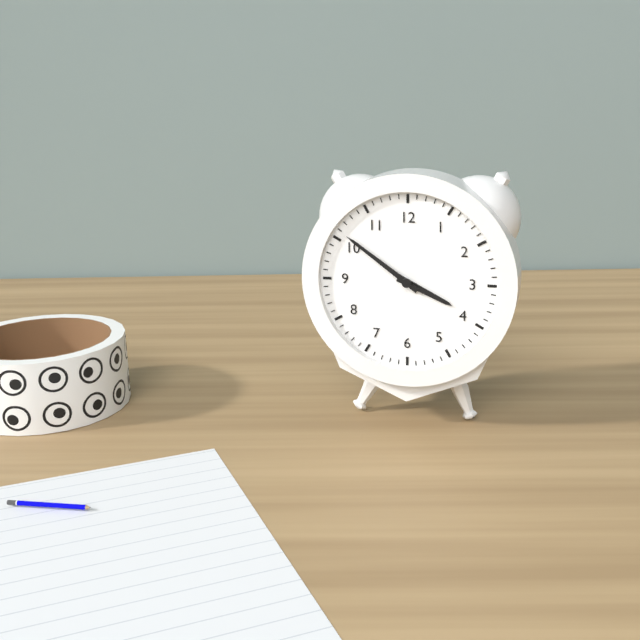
**3:51**
